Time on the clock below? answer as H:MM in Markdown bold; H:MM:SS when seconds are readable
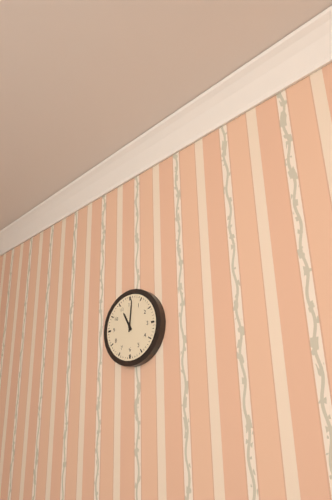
**11:01**
